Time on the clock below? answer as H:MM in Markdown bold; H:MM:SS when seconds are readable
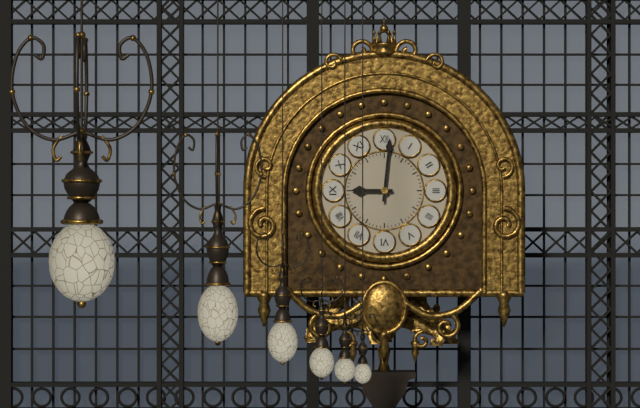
**9:01**
